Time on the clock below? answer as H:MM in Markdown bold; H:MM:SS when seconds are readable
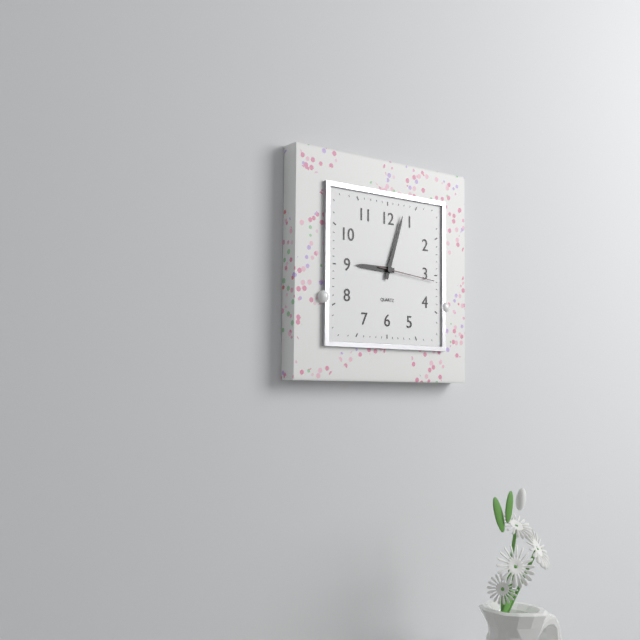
**9:03:16**
